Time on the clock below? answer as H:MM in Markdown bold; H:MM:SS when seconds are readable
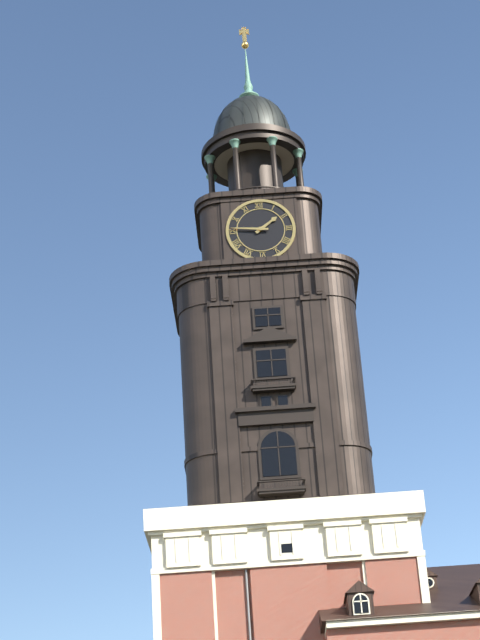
**1:46**
